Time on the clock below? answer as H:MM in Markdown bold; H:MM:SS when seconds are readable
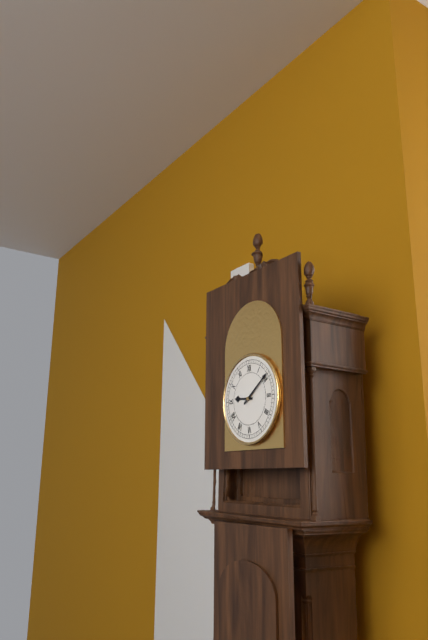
**9:09**
